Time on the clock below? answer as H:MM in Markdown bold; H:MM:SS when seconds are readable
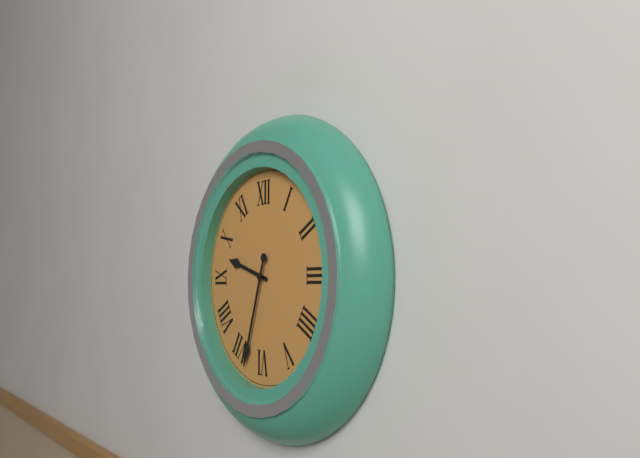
**9:33**
